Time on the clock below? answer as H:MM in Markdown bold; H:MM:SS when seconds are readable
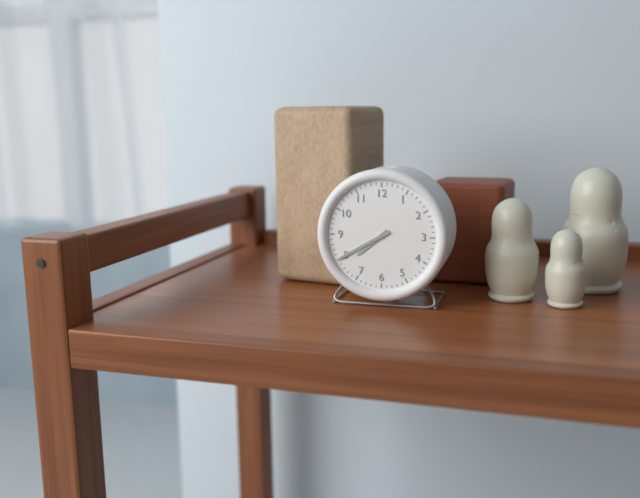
**7:40**
